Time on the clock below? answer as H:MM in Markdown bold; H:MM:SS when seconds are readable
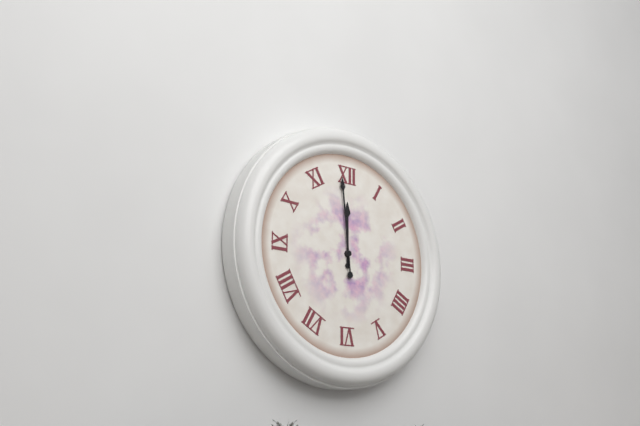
**11:59**
